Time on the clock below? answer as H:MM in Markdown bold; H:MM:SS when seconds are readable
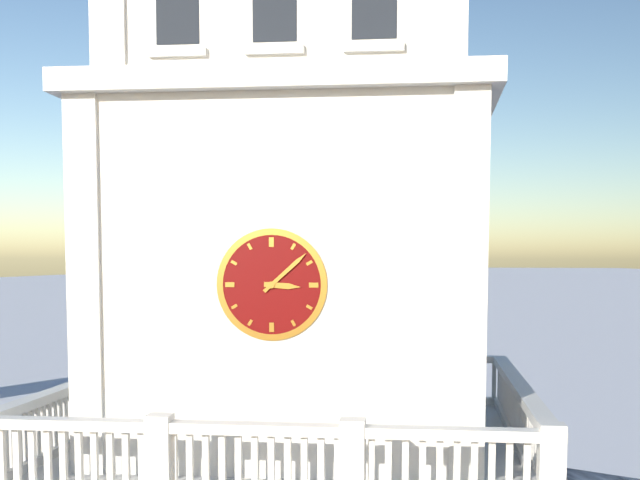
**3:08**
